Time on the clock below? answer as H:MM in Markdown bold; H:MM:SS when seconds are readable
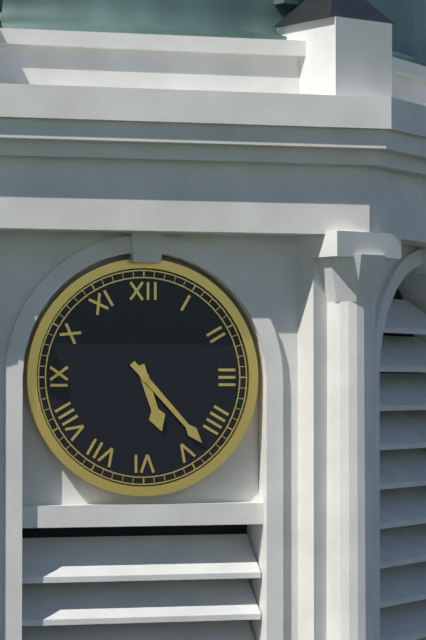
**5:23**
